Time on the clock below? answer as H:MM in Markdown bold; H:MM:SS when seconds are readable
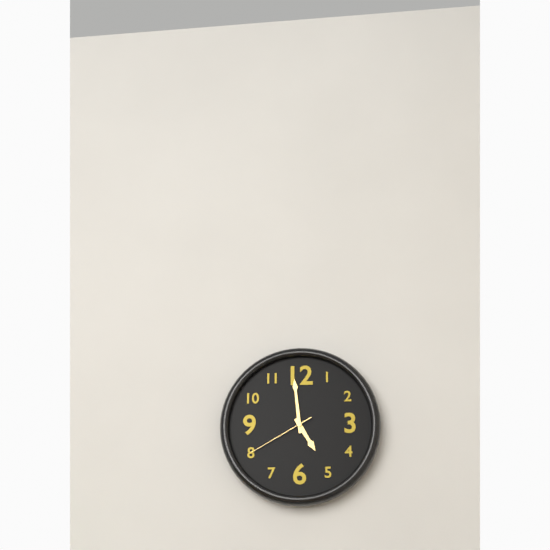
**4:59:40**
